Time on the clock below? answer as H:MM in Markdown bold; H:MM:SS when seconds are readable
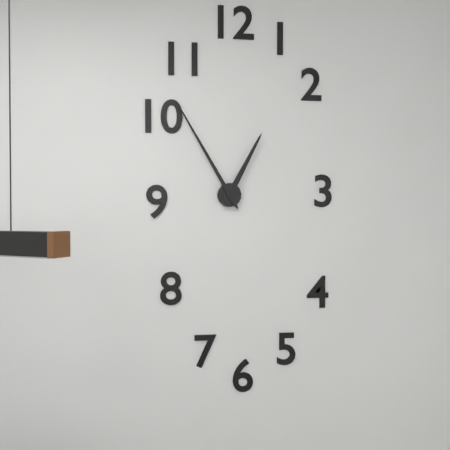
**12:55**
